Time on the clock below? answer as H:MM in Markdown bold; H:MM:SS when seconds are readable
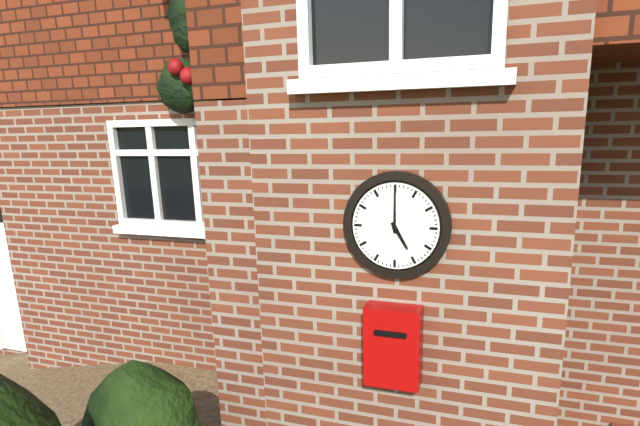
**5:00**
